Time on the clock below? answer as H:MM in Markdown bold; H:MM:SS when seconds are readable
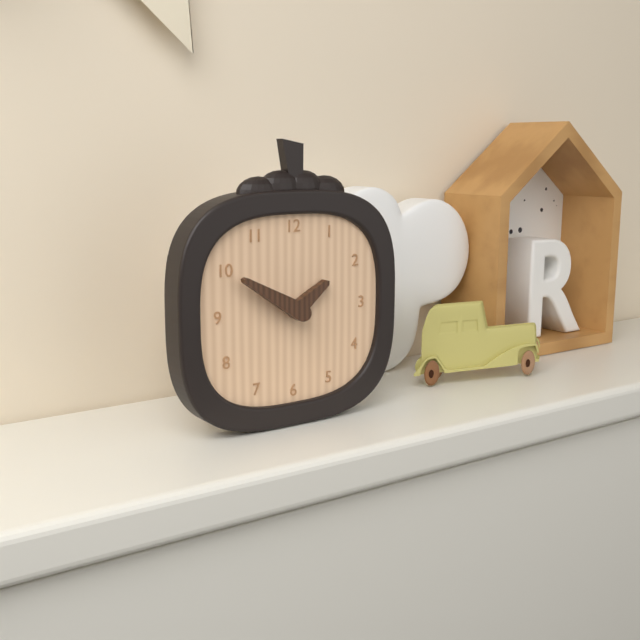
**1:50**
